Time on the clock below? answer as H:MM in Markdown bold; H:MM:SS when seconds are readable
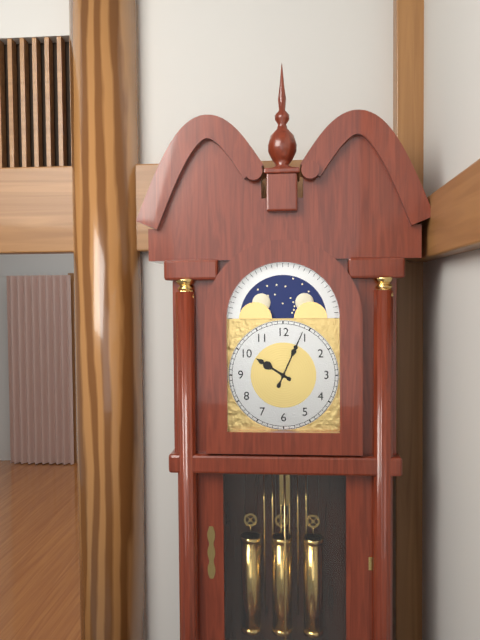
**10:04**
